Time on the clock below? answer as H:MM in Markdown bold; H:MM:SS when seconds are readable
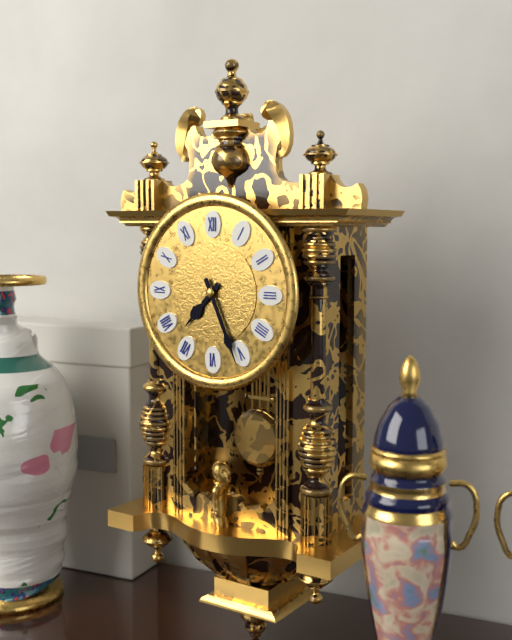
**7:26**
